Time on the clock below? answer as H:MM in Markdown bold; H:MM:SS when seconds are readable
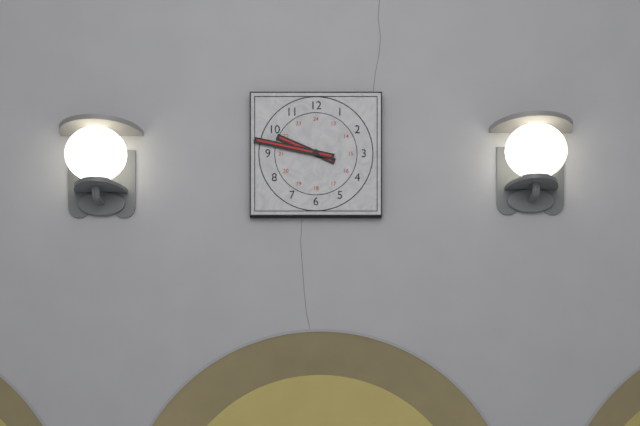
**9:47**
